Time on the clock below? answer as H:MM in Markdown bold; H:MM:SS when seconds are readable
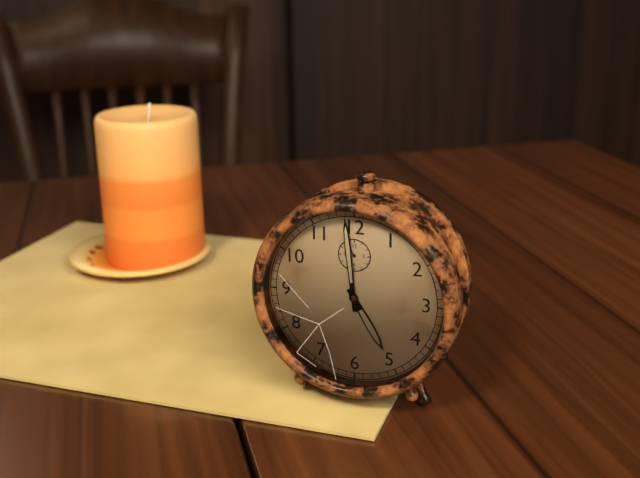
**4:59**
